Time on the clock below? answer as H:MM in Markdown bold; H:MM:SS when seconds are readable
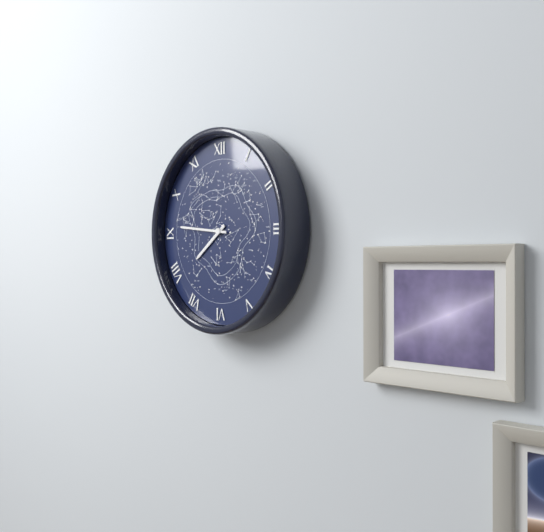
**7:46**
